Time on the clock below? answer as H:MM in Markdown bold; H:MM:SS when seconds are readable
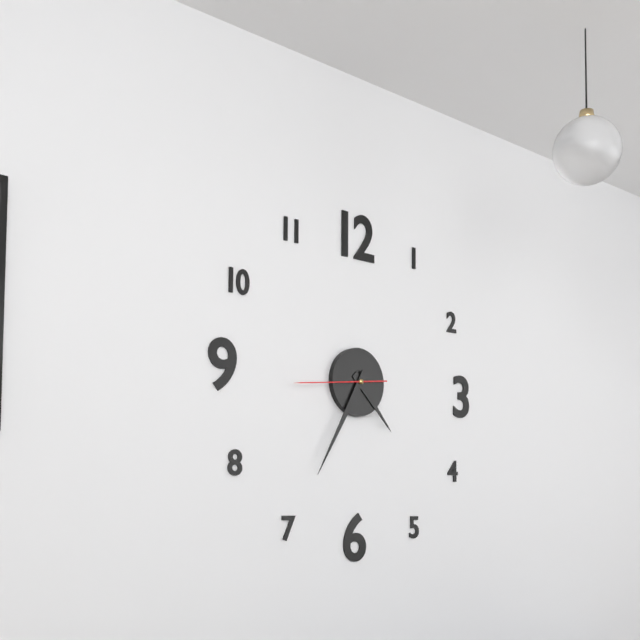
**4:35:44**
